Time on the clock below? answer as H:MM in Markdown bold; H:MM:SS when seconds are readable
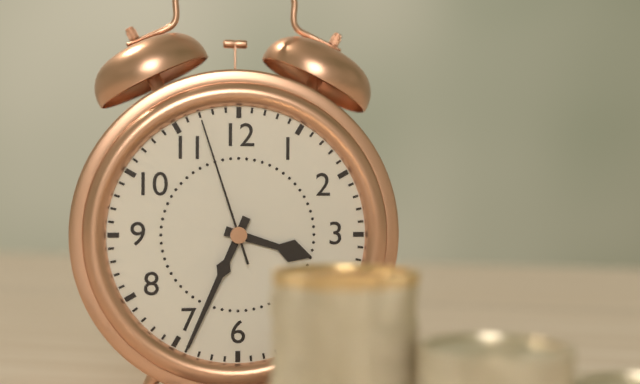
**3:34:57**
